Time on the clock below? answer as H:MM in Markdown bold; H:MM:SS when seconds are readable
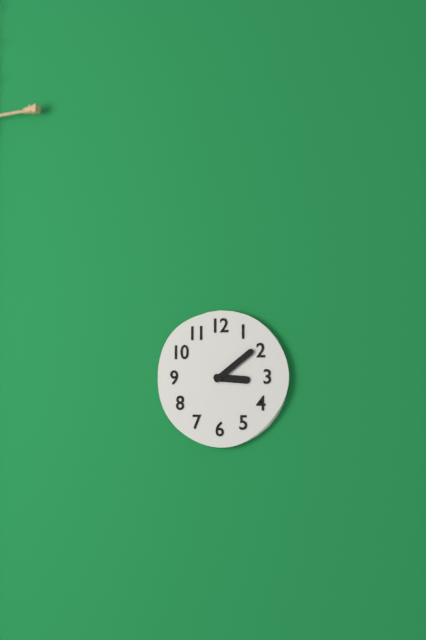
**3:09**
